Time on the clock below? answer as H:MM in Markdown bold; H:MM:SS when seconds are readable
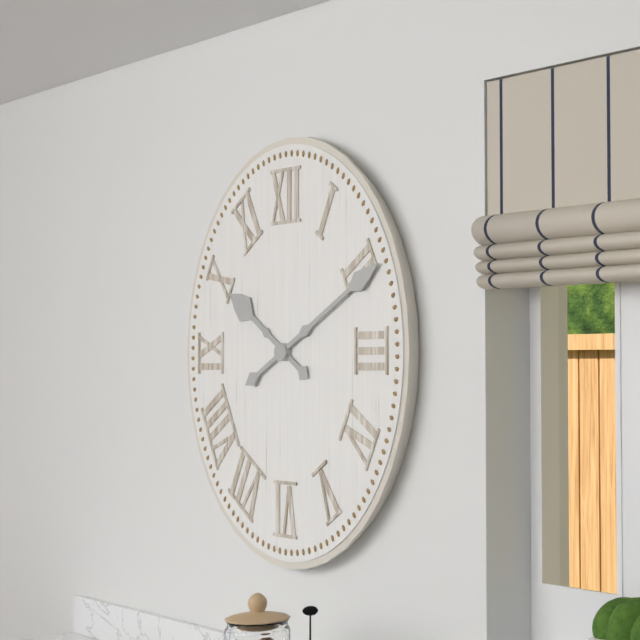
**10:10**
